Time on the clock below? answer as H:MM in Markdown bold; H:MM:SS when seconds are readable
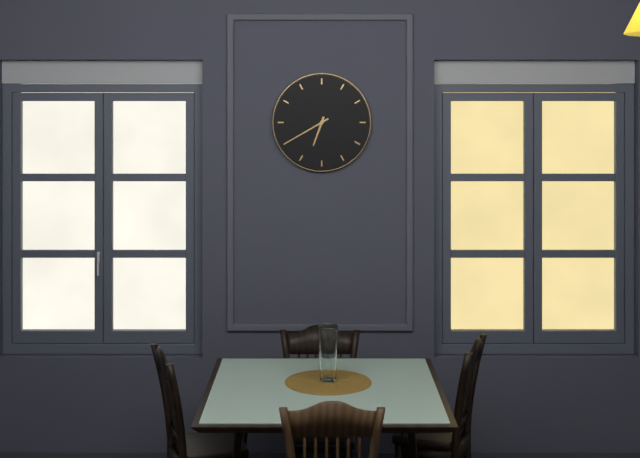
**6:40**
